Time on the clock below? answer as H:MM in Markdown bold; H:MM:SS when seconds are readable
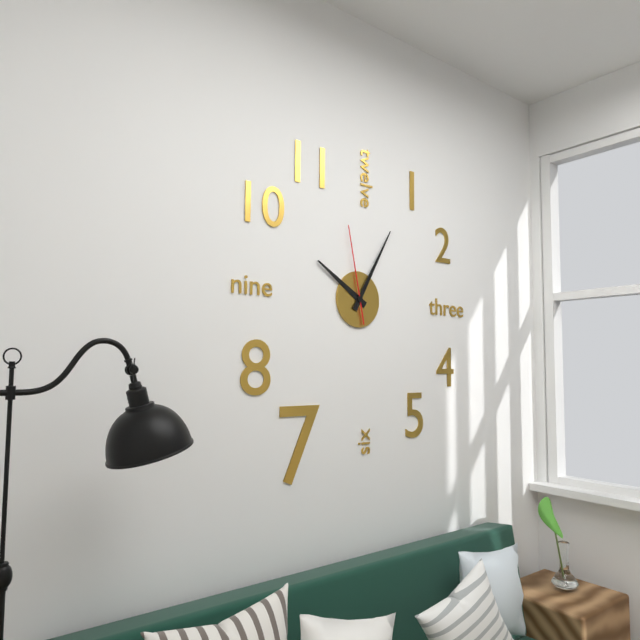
**10:05:58**
